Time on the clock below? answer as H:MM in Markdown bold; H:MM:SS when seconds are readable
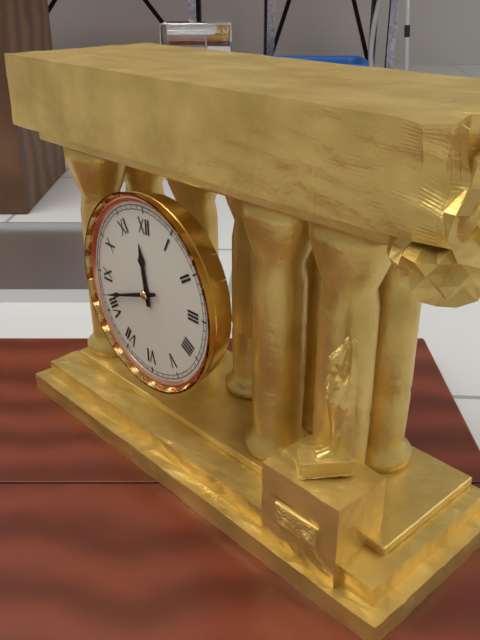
**11:42**
